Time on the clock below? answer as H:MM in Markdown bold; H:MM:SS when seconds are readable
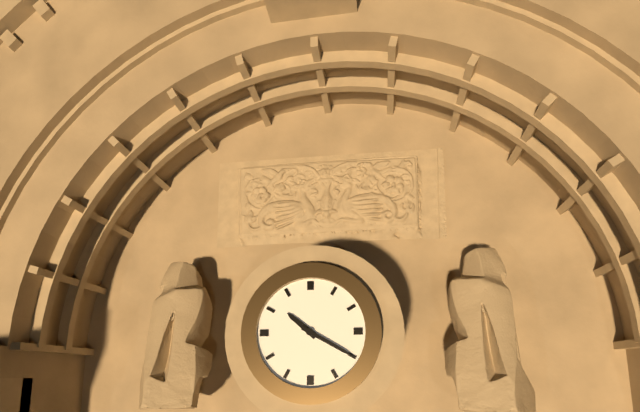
**10:20**
